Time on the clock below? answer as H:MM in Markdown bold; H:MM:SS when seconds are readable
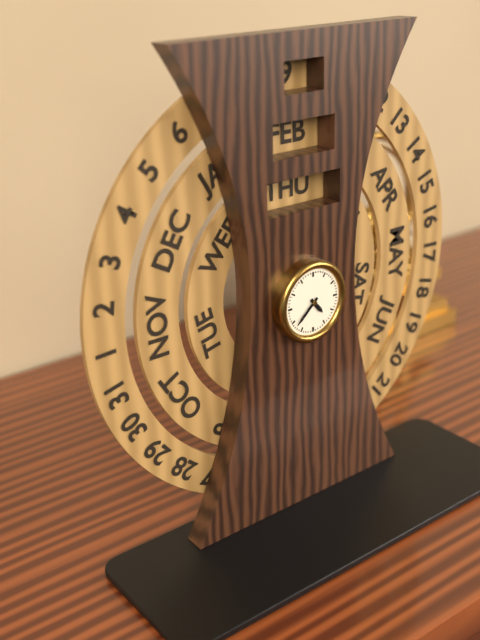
**4:38**
